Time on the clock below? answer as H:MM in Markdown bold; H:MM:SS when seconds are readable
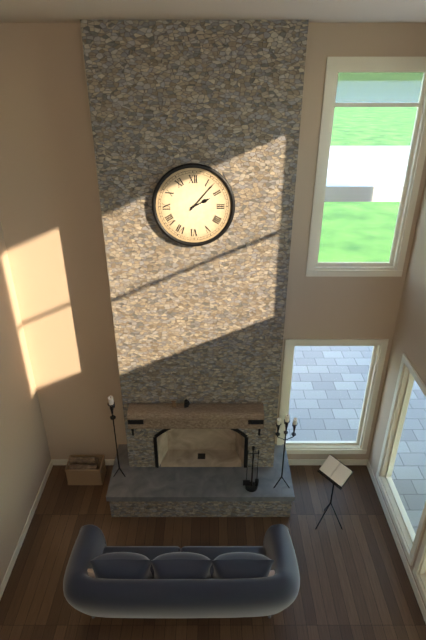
**2:07**
